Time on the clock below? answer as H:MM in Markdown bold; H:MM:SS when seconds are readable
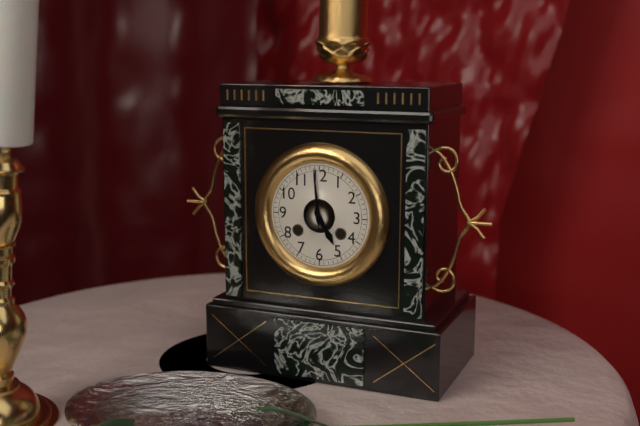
**4:59**
